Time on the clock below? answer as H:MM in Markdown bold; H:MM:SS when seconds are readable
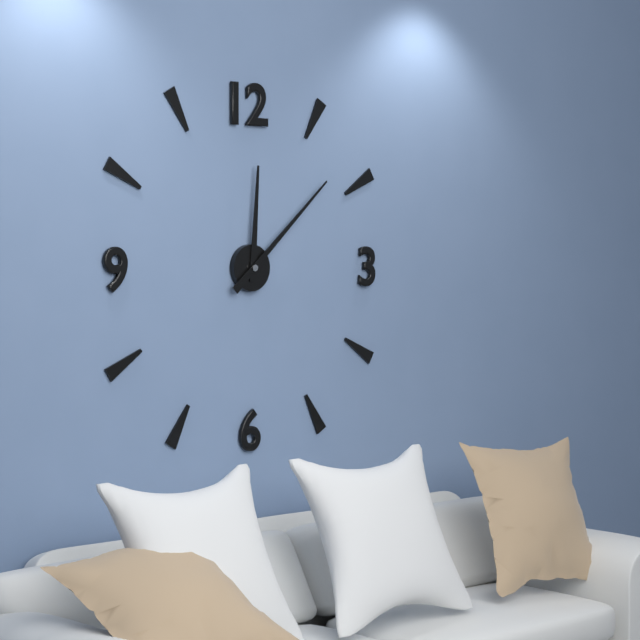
**12:08**
